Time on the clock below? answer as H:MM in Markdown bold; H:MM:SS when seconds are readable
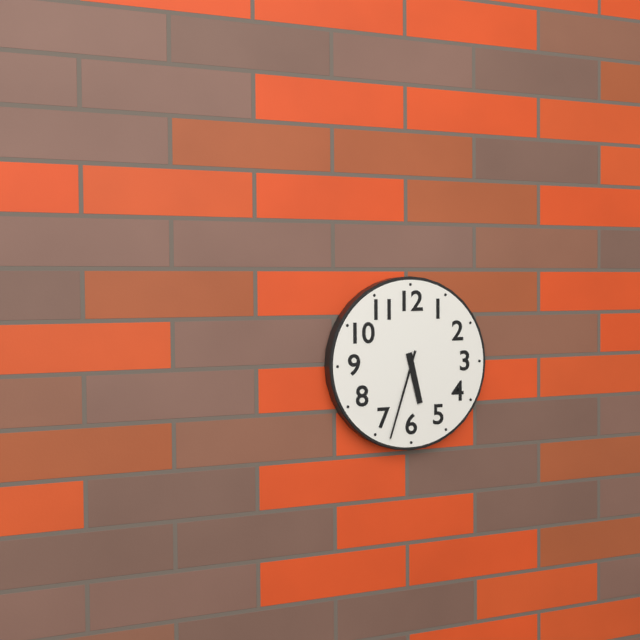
**5:33**
